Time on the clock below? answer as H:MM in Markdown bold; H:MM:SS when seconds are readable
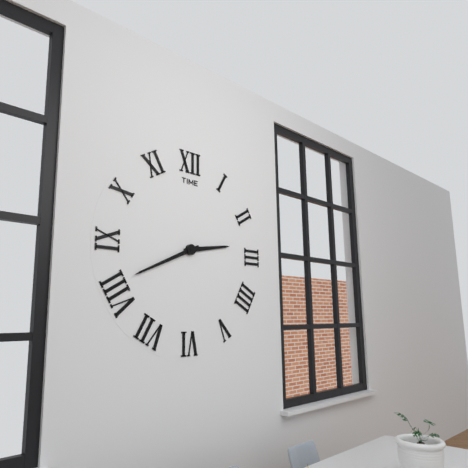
**2:41**
